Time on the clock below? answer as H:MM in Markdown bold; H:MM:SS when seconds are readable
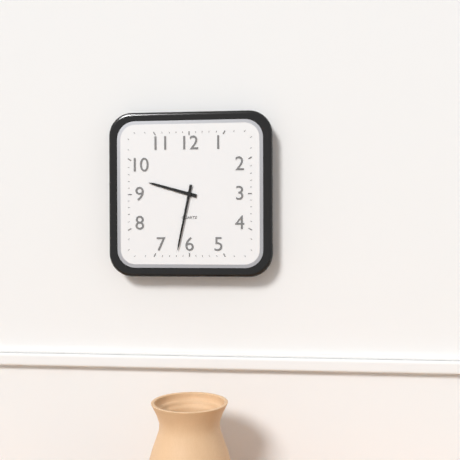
**9:32**
